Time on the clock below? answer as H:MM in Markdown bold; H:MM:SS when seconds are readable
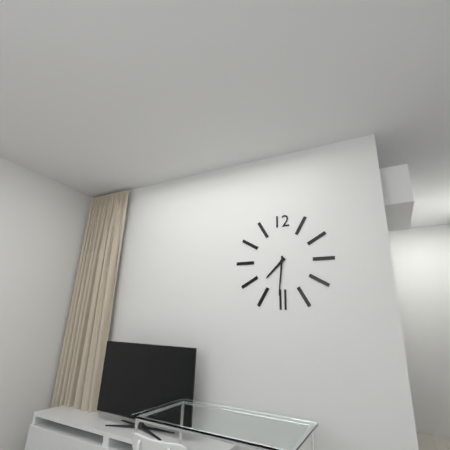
**7:31**
